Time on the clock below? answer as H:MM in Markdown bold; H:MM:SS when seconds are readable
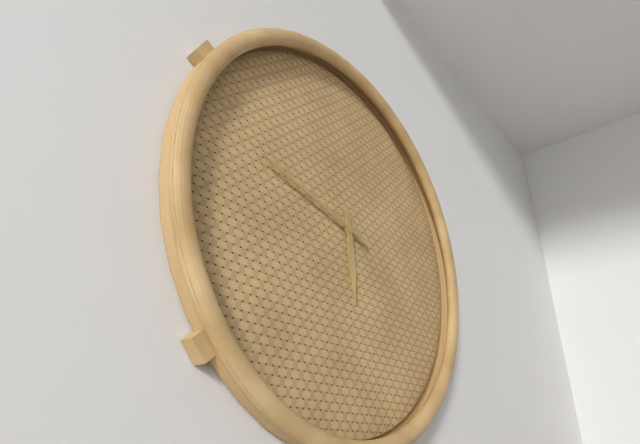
**5:47**
